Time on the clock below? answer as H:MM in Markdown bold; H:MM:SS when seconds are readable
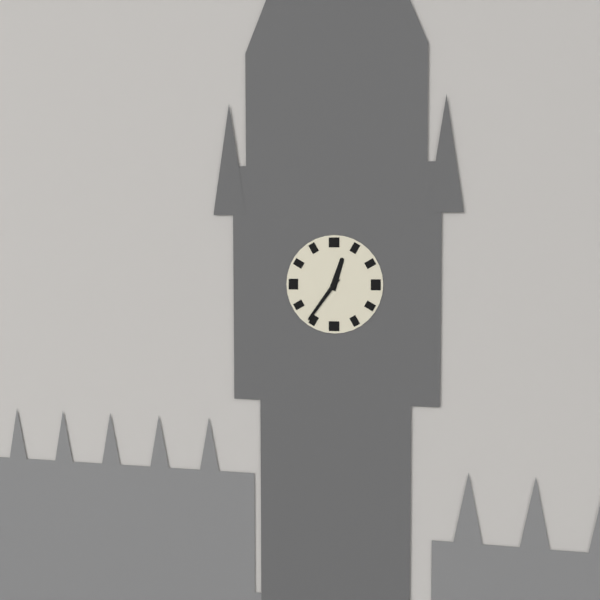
**12:36**
